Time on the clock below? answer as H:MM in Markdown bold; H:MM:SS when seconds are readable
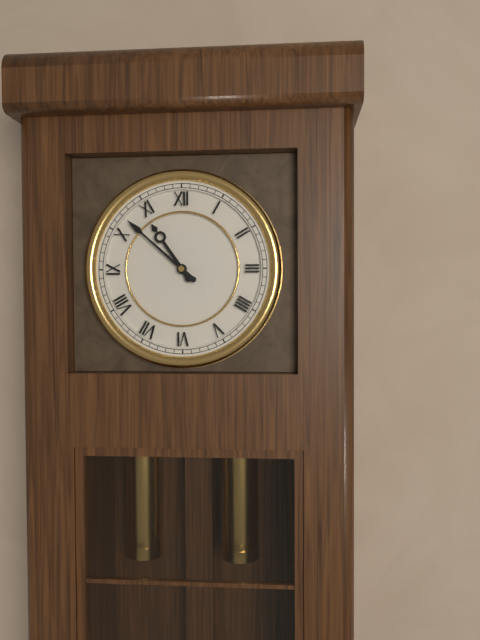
**10:52**
